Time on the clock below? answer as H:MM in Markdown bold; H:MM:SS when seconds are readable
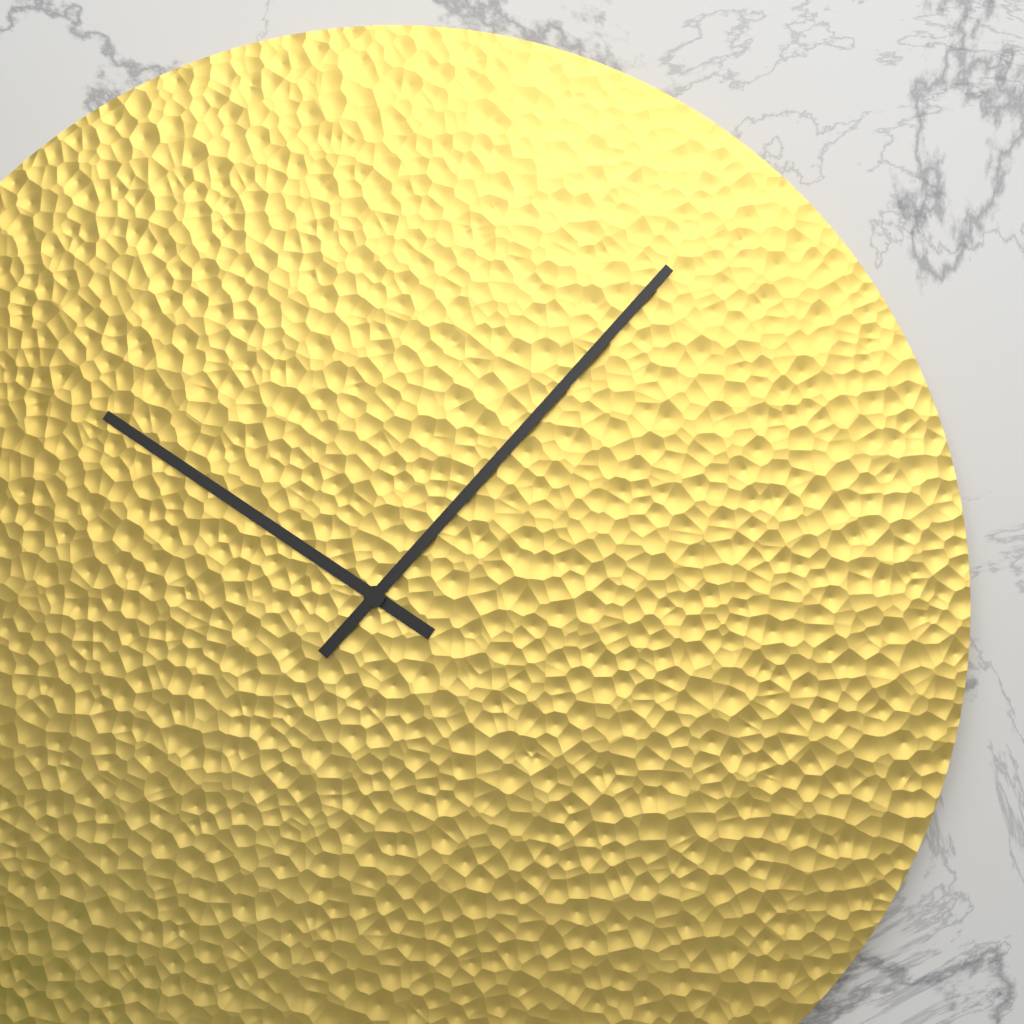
**10:07**
